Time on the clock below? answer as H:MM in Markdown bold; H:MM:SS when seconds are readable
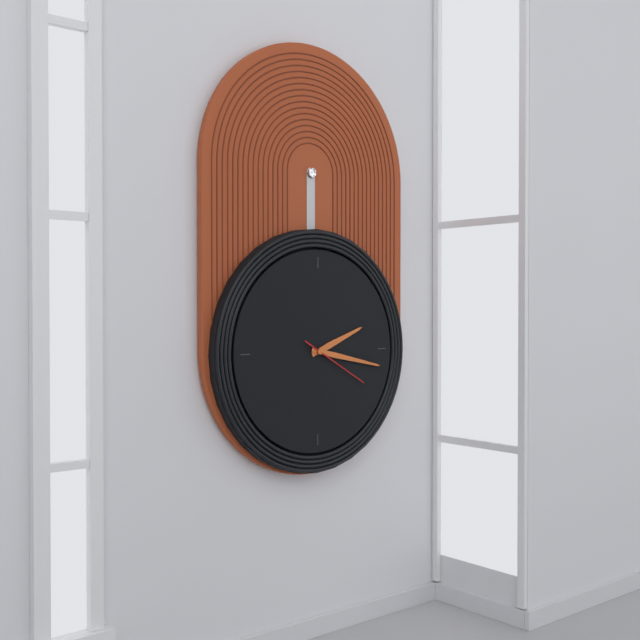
**2:17:20**
